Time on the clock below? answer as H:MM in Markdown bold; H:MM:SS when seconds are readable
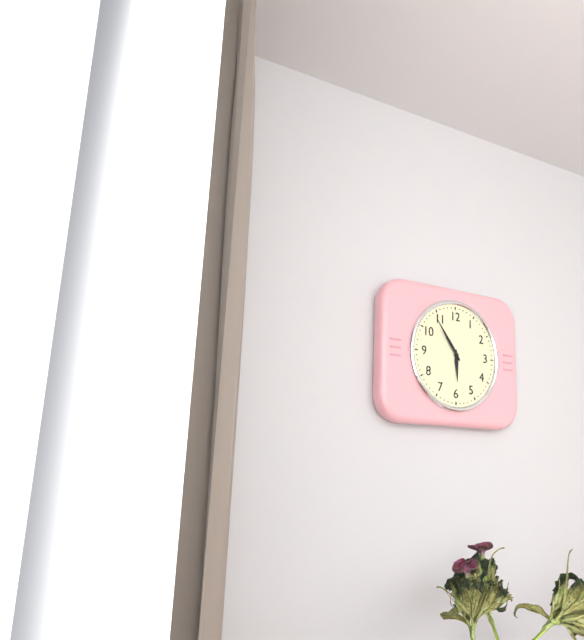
**5:54**
